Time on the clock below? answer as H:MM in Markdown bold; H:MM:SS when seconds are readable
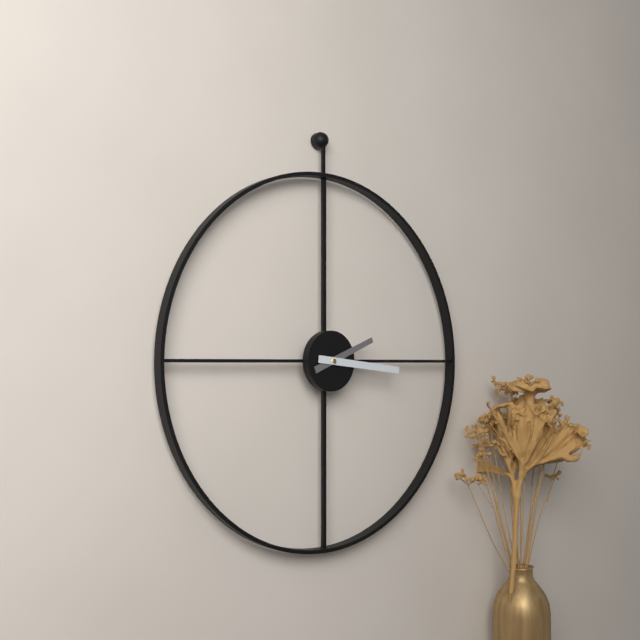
**2:16**
